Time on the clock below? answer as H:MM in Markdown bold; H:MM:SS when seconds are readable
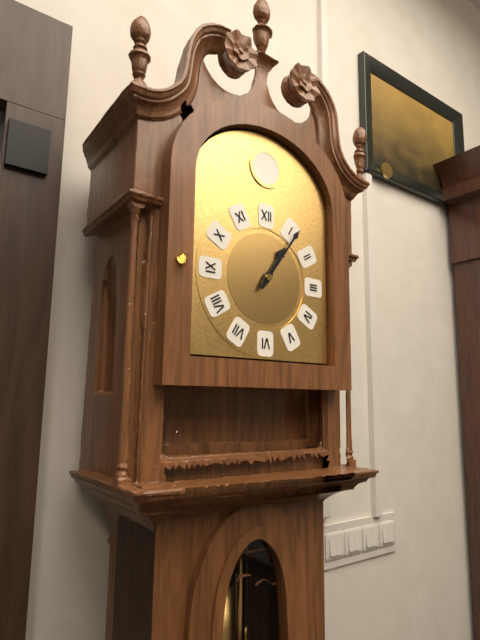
**1:06**
